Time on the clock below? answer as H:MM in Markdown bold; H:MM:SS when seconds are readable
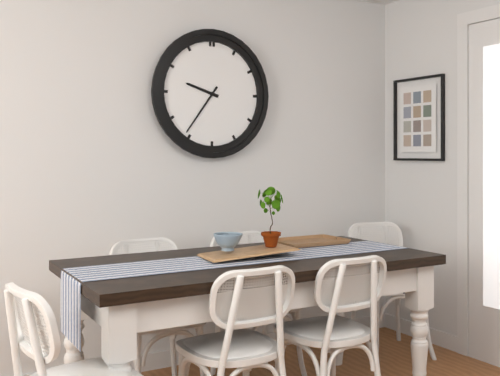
**9:36**
